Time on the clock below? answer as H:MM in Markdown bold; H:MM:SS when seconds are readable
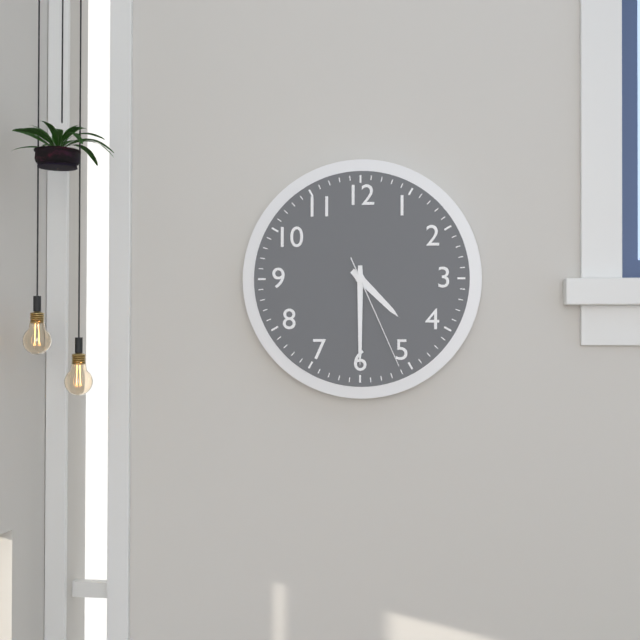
**4:30:26**
